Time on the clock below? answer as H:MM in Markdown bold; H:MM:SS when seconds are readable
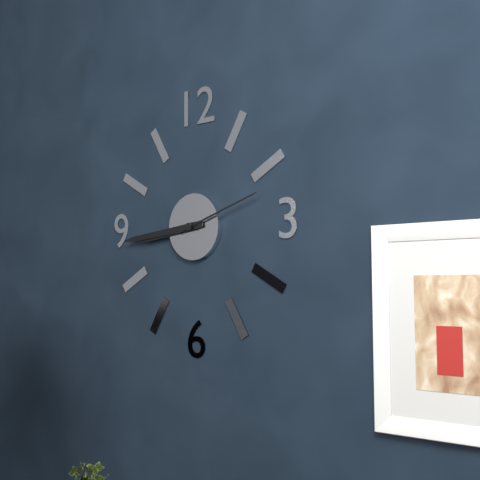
**8:44:12**
